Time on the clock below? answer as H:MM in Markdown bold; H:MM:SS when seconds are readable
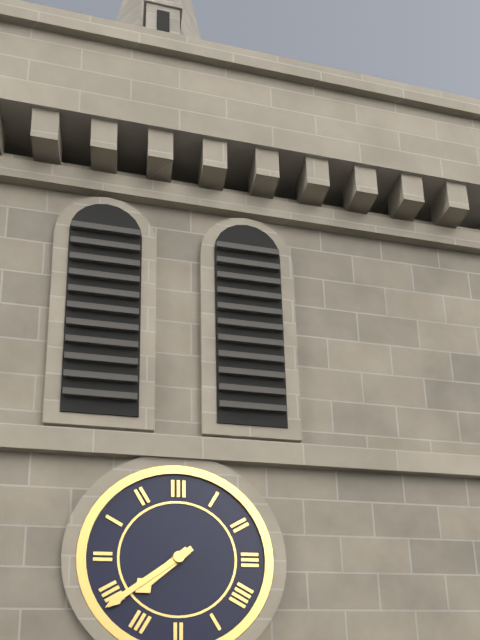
**7:39**
